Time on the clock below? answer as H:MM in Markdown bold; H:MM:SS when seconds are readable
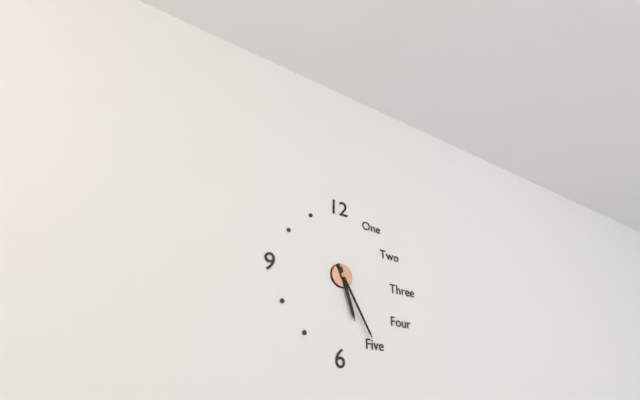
**5:25**
